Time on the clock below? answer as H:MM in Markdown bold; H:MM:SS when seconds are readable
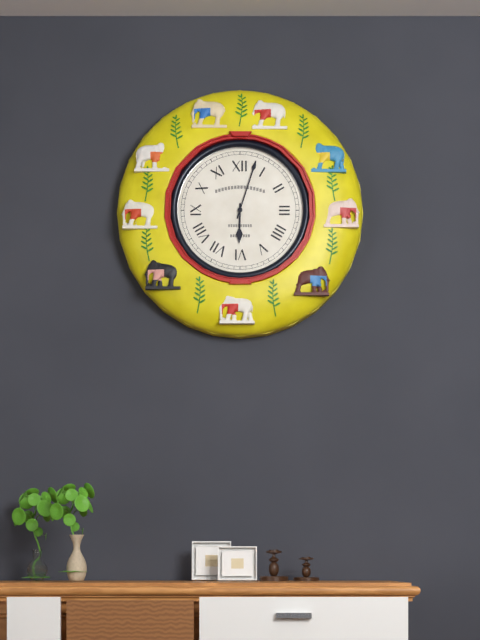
**6:03**
